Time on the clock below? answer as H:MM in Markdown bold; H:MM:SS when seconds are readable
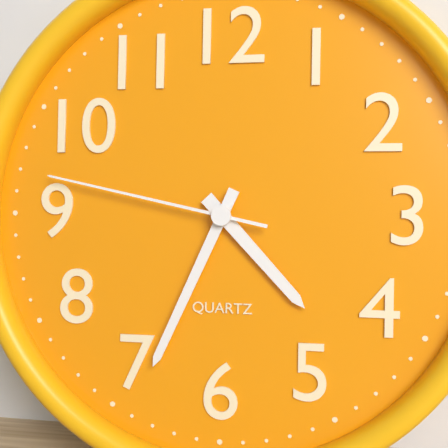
**4:34:47**
